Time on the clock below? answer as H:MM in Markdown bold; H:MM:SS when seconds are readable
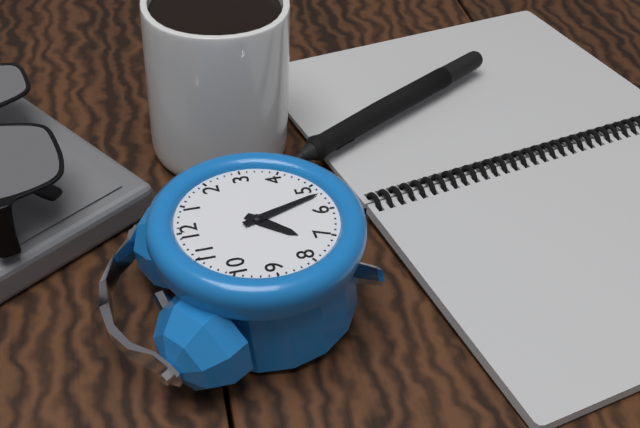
**7:27**
